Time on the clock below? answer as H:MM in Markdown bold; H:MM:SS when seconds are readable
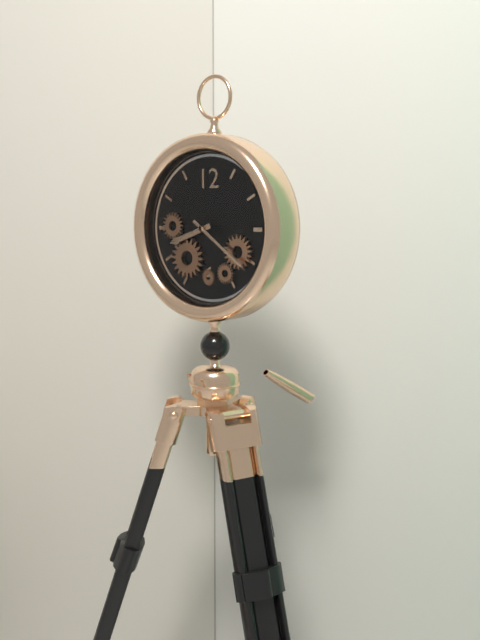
**8:21**
